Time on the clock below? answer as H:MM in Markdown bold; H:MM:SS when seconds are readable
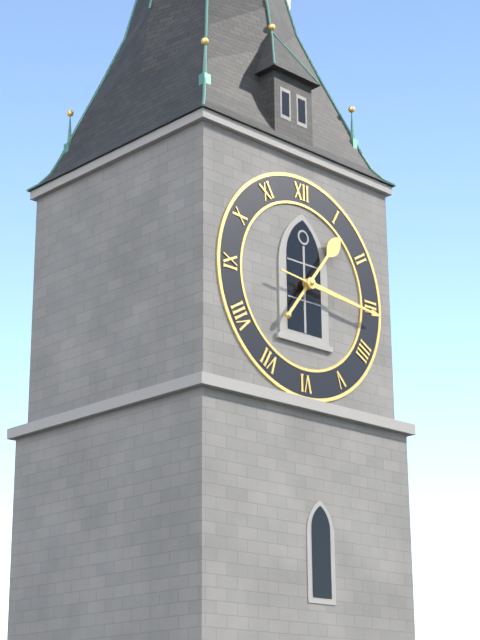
**1:16**
